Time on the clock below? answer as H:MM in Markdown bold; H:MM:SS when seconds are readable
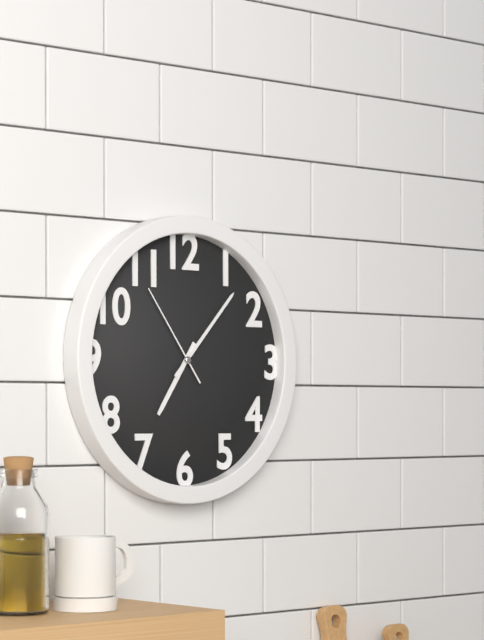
**7:07:54**
